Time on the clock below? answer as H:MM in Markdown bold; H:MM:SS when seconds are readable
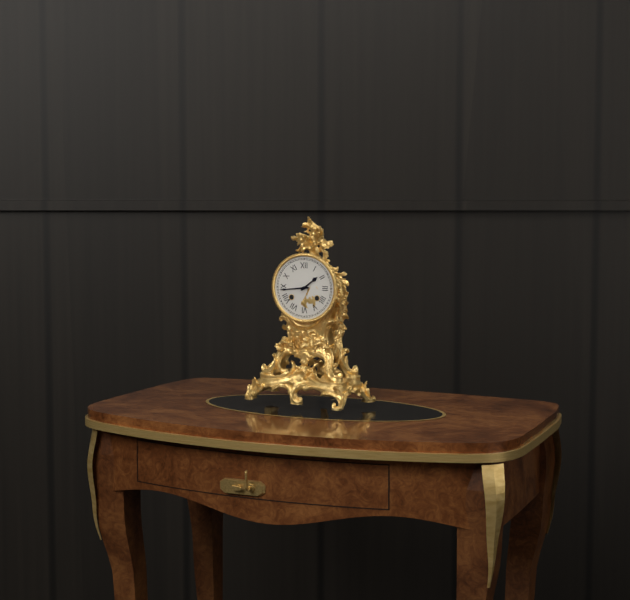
**1:44**
